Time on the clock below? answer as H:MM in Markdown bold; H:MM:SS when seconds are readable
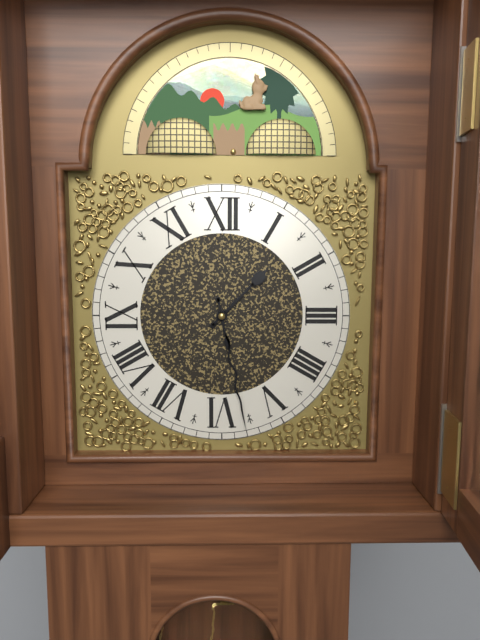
**1:28**
